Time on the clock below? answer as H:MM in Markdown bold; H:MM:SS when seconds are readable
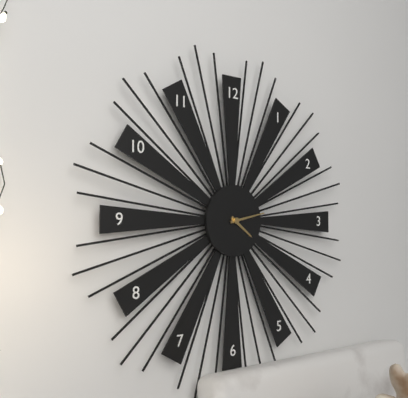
**4:13**
